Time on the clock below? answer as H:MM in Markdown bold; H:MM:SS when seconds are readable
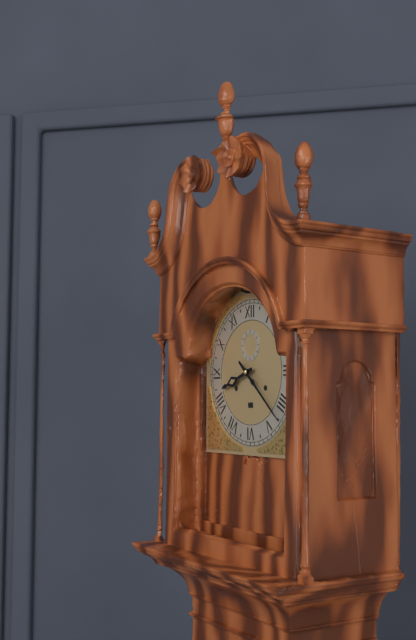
**8:22**
